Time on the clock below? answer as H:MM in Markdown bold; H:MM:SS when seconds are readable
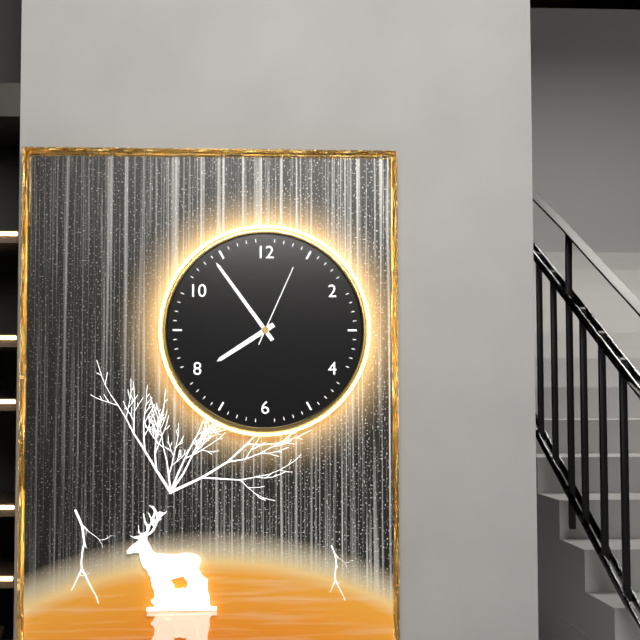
**7:54:04**
